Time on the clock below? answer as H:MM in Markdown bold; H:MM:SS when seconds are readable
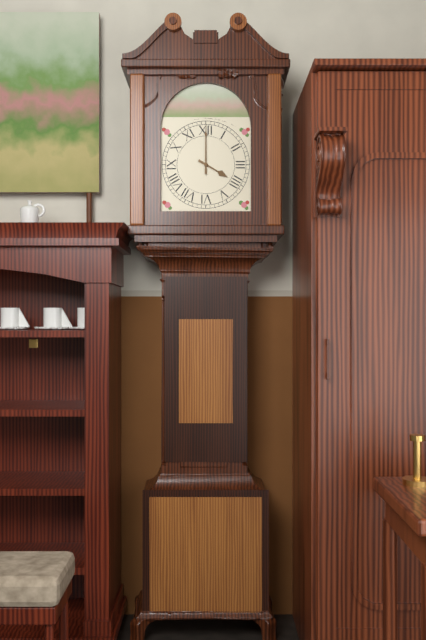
**4:00**
